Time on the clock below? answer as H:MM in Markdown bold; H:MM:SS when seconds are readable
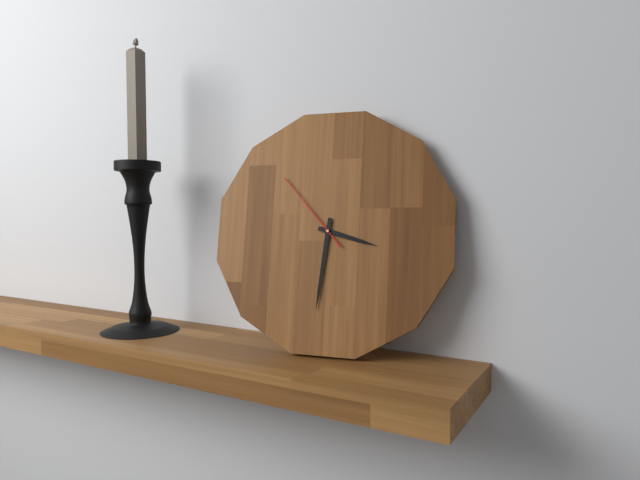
**3:31:53**
